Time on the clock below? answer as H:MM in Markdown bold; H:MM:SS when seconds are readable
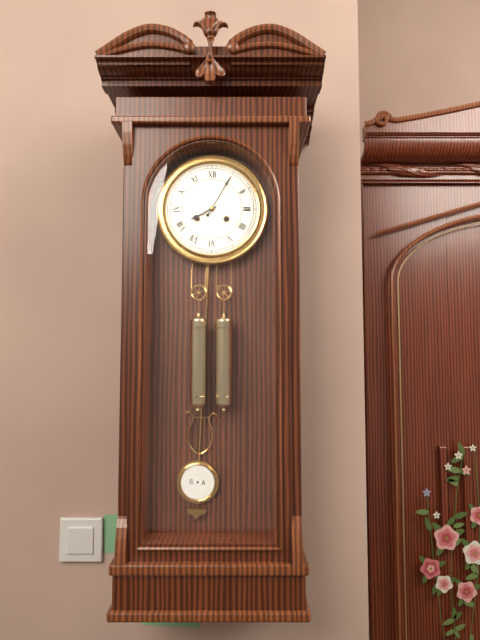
**8:05**
